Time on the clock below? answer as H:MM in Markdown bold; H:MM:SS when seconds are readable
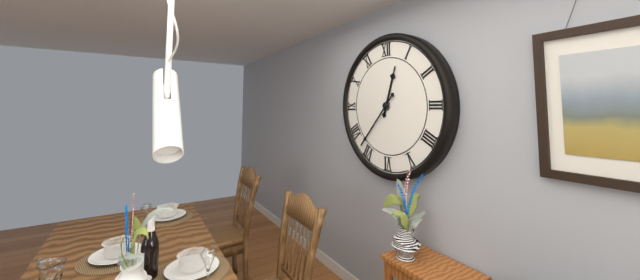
**12:37**
